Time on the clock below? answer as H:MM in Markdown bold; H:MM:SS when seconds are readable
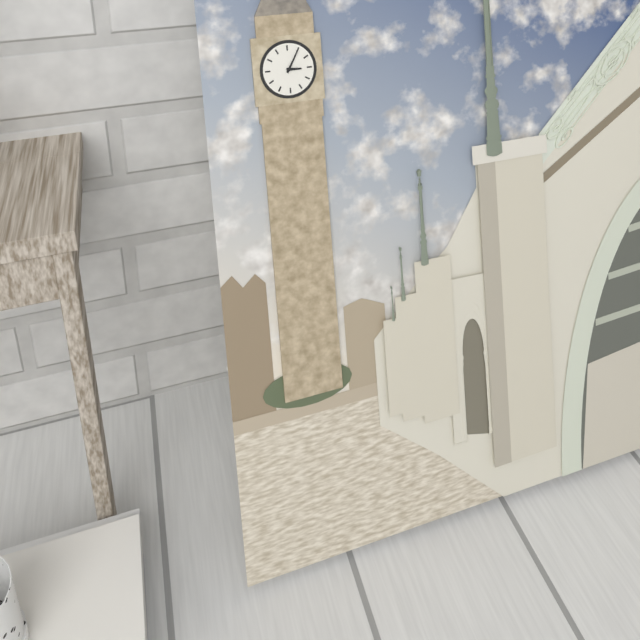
**3:05**
